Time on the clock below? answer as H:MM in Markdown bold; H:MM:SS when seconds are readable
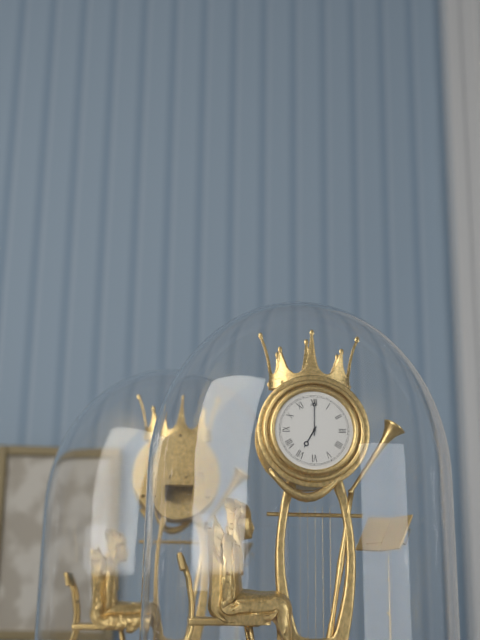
**7:00**
